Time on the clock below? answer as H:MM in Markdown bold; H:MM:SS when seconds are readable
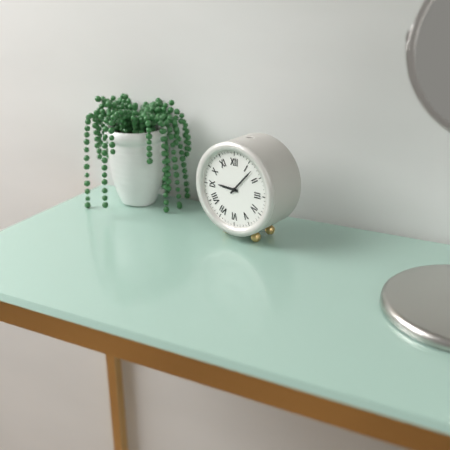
**9:07**
